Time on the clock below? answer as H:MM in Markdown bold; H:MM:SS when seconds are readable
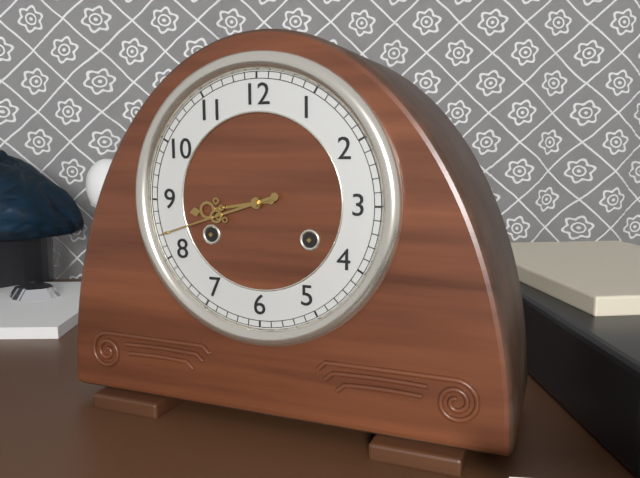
**8:42**
